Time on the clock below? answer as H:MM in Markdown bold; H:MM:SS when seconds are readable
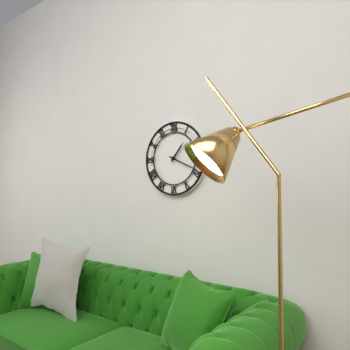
**1:19**
